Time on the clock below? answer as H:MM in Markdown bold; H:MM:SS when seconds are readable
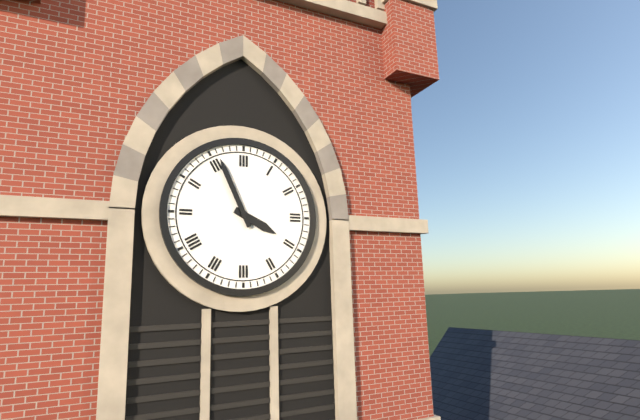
**3:56**
